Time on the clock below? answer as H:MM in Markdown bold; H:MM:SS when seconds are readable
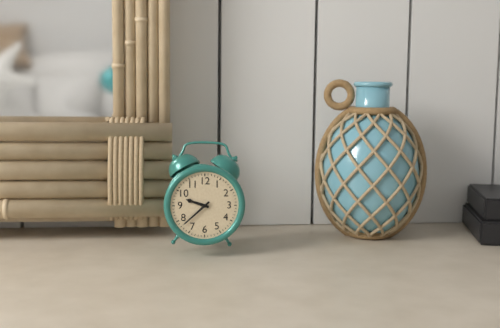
**9:38**
